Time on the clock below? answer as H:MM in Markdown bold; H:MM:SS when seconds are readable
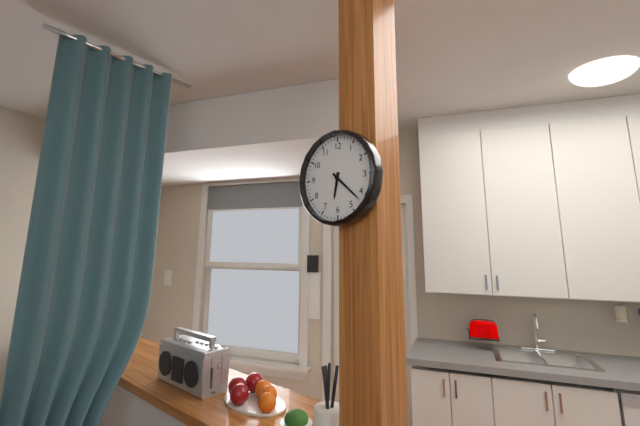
**6:22**
